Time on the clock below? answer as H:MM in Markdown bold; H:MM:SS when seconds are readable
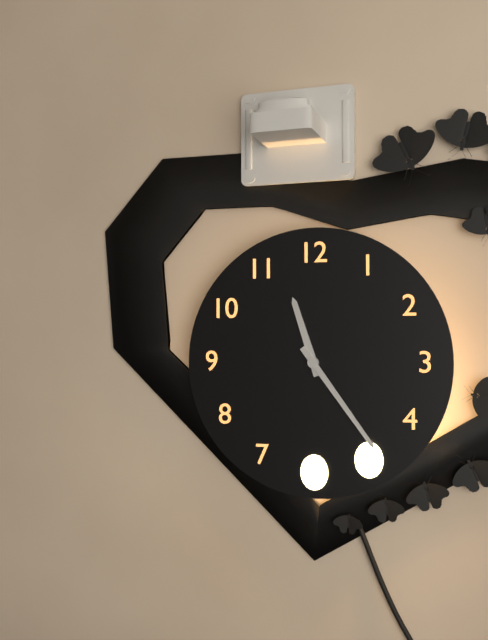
**11:24**
